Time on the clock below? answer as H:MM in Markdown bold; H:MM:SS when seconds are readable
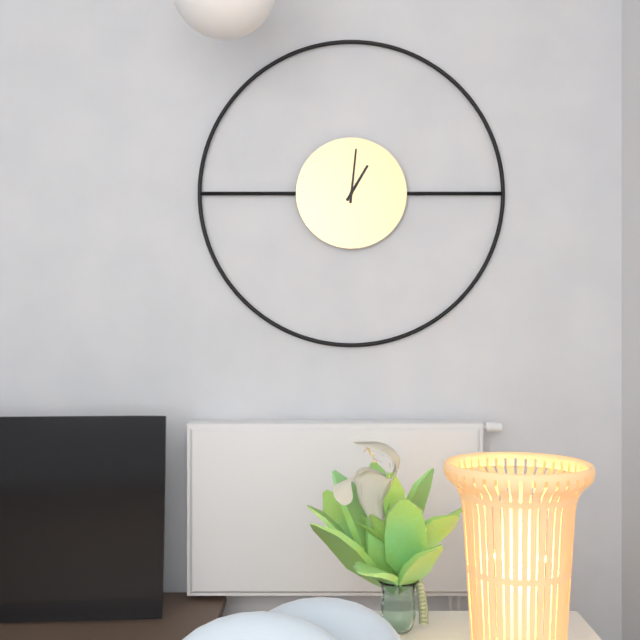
**1:01**
